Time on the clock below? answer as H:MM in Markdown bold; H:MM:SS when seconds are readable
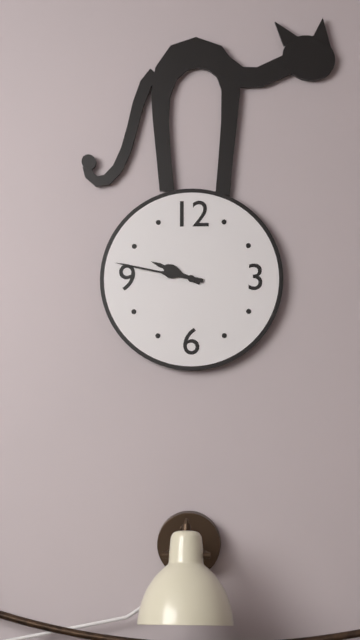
**9:47**
